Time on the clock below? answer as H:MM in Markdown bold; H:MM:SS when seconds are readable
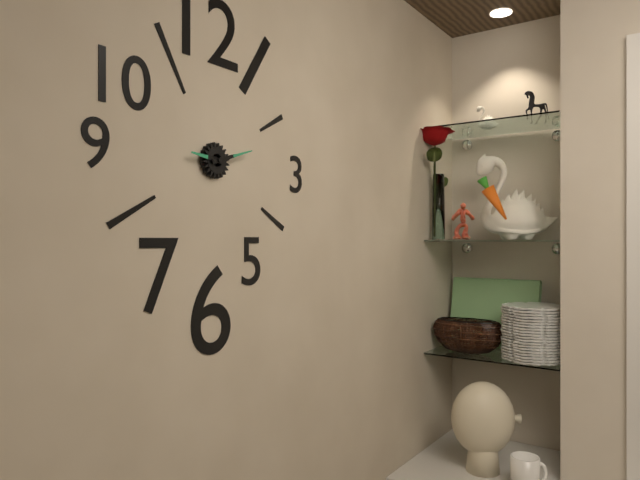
**9:12**
